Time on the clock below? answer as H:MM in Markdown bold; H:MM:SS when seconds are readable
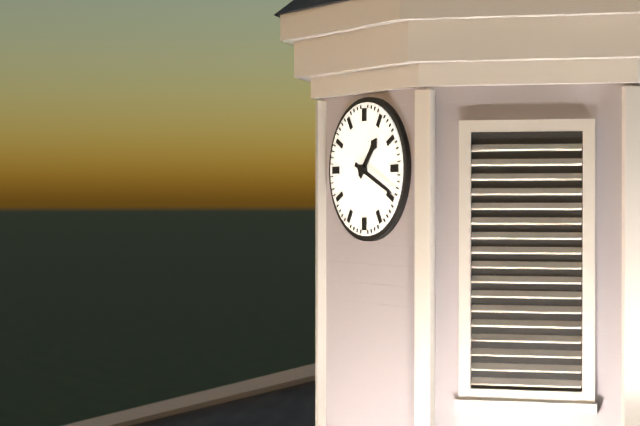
**1:19**
